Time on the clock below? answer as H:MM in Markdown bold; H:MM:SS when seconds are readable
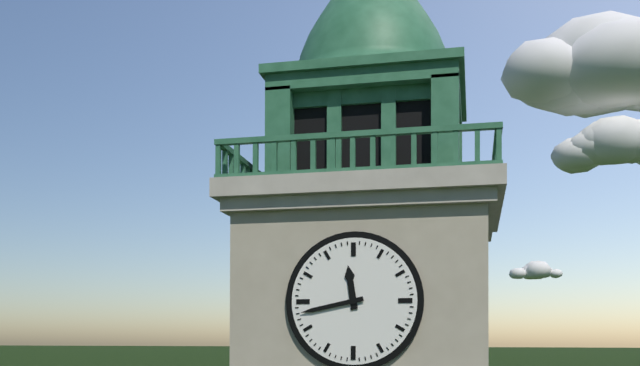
**11:43**
